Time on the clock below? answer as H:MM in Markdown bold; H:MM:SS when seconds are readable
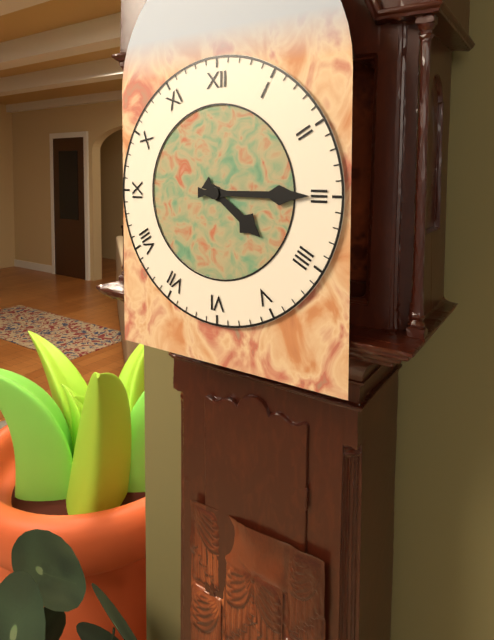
**4:15**
